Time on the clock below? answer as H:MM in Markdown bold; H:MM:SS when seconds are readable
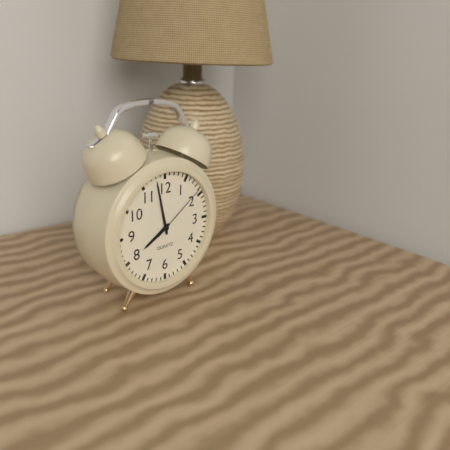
**7:58:09**
